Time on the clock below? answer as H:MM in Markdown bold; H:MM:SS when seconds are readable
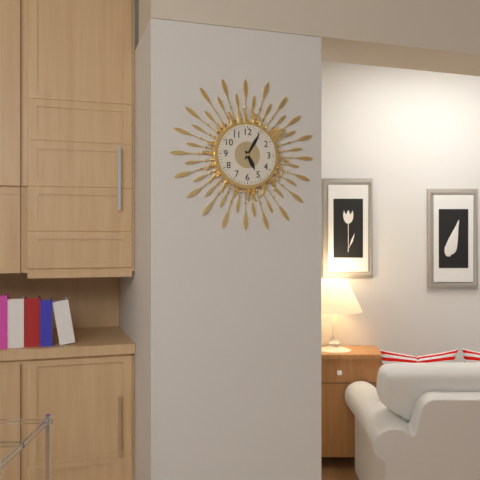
**5:05**
